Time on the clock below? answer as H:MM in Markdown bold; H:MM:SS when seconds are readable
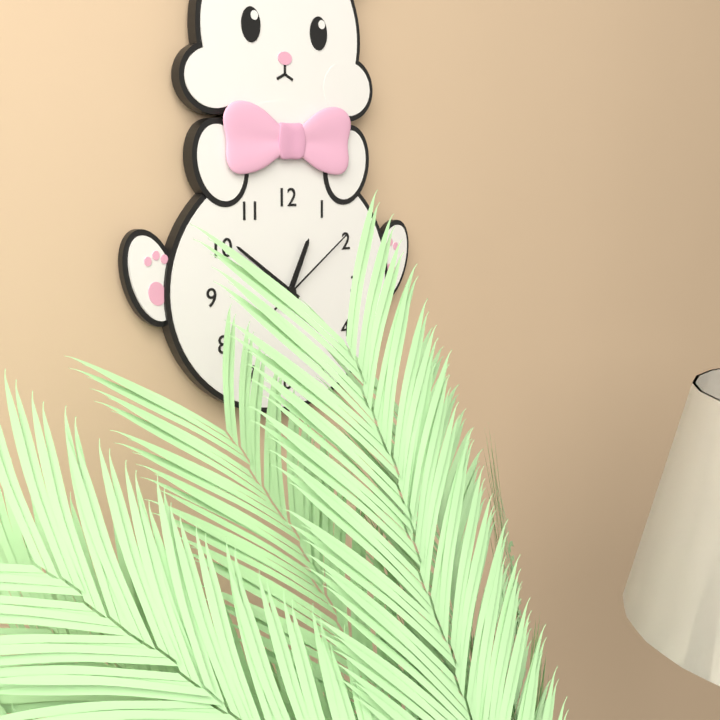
**12:51:09**
